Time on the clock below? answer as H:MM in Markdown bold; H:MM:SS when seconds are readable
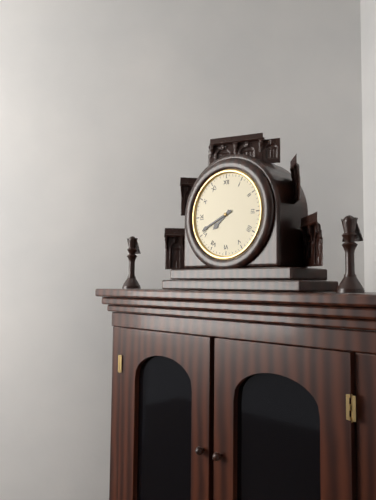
**7:41**
